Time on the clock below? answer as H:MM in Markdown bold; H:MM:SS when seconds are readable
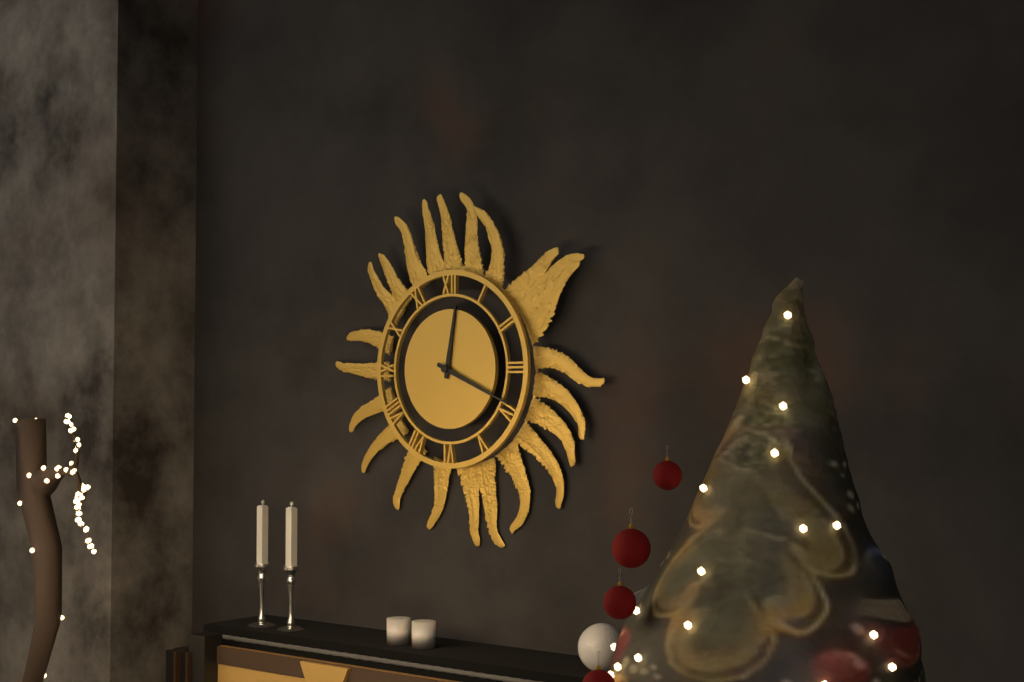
**12:19**
